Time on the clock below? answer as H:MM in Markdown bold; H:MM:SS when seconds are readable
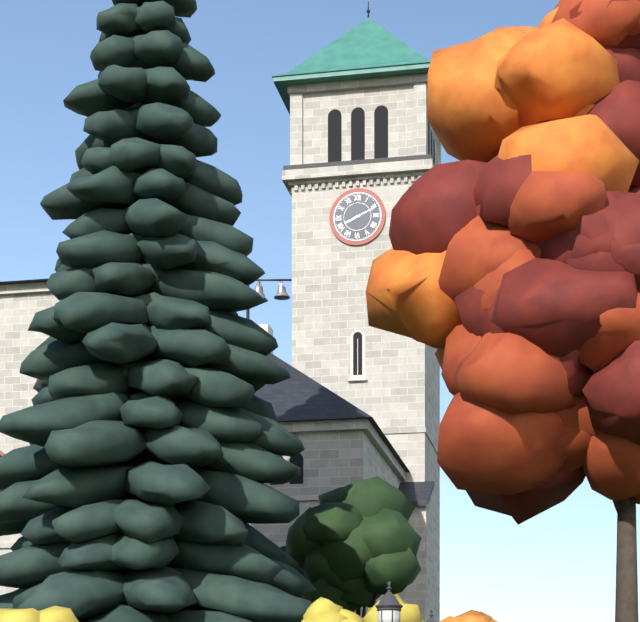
**8:11**
